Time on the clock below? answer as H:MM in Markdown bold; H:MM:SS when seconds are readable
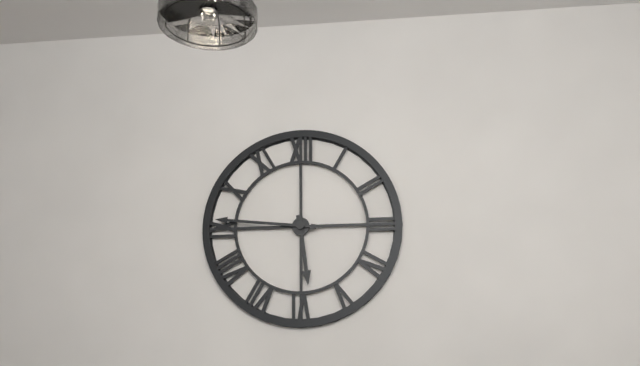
**5:46**
